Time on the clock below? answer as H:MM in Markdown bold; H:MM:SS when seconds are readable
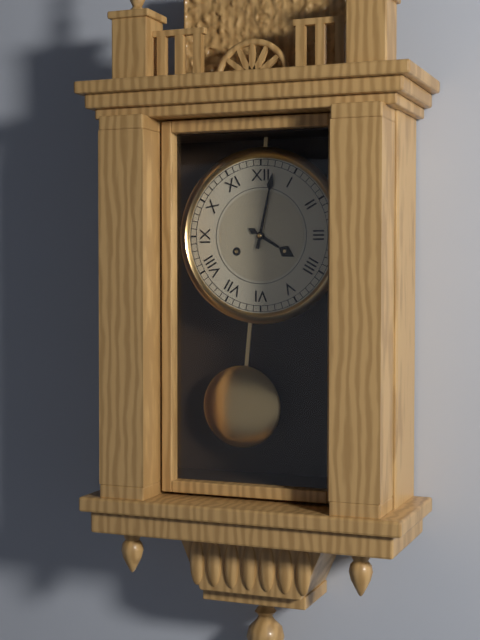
**4:02**
